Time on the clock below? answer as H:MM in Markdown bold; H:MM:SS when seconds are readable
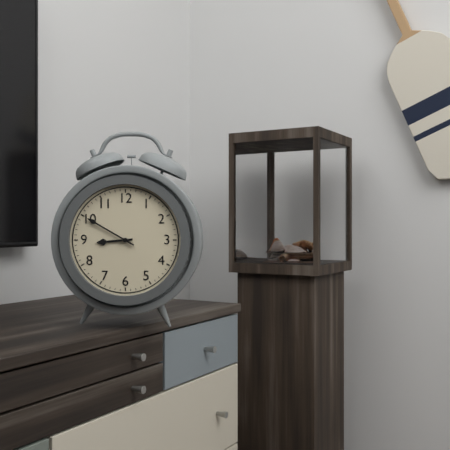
**8:50**
